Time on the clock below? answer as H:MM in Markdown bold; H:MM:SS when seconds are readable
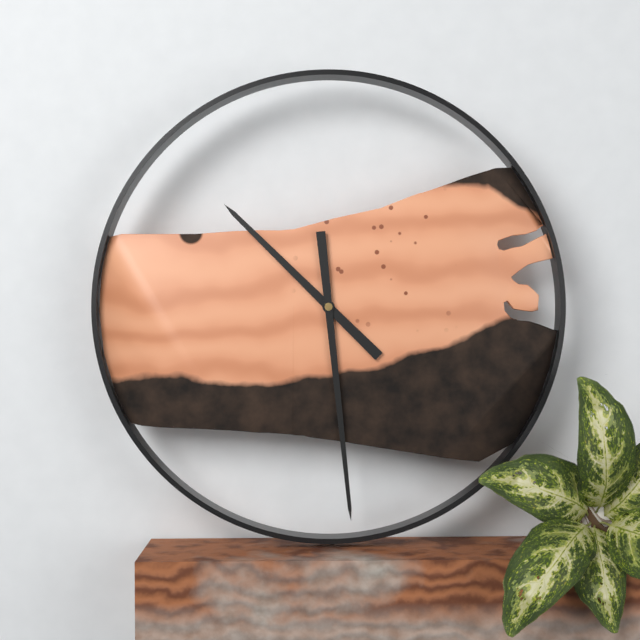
**10:29**
